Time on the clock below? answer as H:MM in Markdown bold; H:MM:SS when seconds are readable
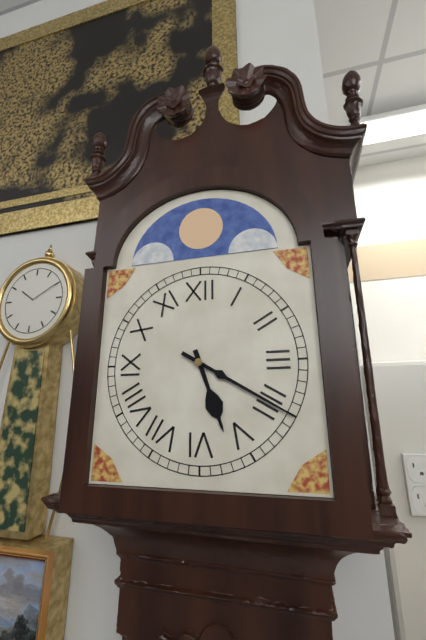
**5:20**
